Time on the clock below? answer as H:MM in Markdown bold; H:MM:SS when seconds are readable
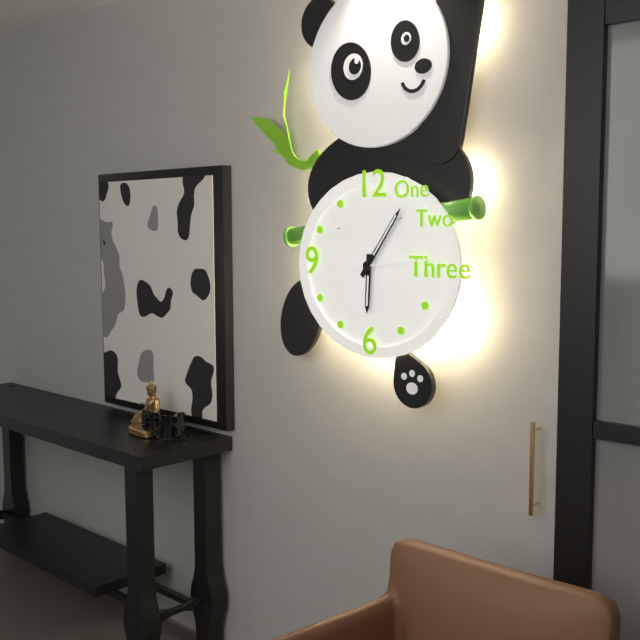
**6:06:14**
